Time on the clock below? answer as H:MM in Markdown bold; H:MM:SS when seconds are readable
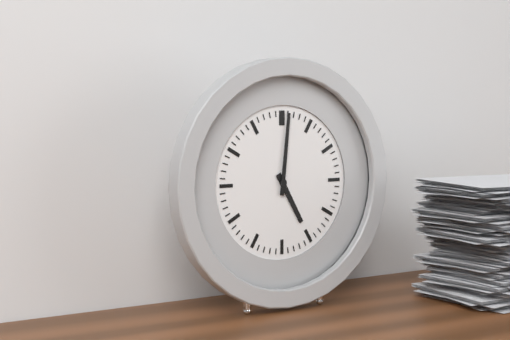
**5:01**
